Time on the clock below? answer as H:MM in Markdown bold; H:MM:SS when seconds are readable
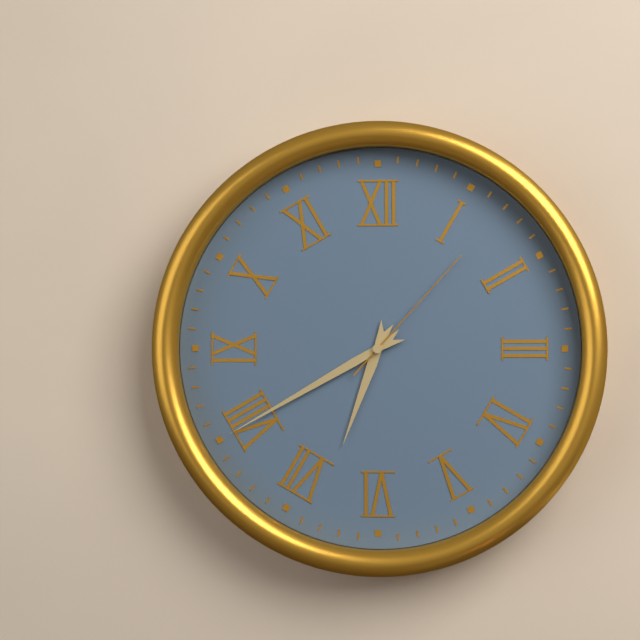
**6:40:07**
